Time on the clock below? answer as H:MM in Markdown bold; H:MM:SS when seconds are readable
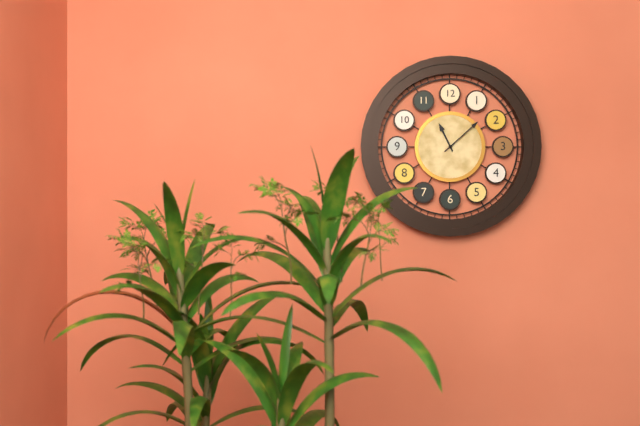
**11:08**
